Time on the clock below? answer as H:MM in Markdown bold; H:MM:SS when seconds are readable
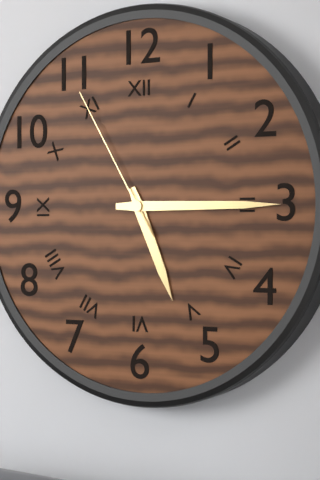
**5:15:55**
